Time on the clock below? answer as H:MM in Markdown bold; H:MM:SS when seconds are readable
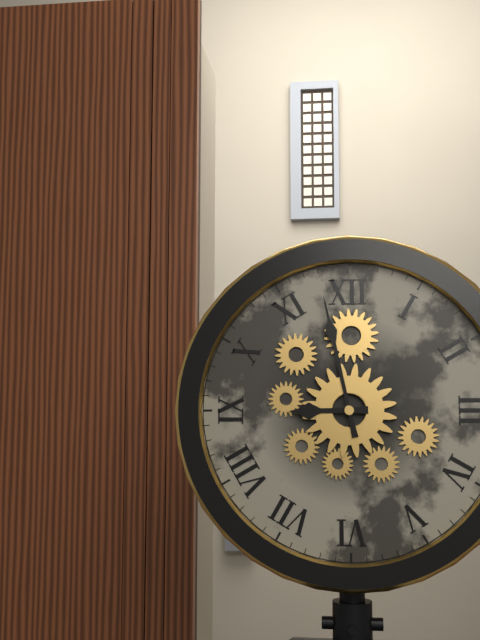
**8:58**
